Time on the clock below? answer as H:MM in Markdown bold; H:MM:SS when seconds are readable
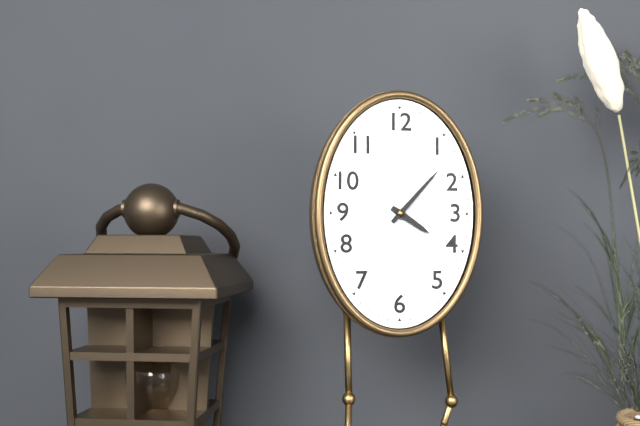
**4:07**
